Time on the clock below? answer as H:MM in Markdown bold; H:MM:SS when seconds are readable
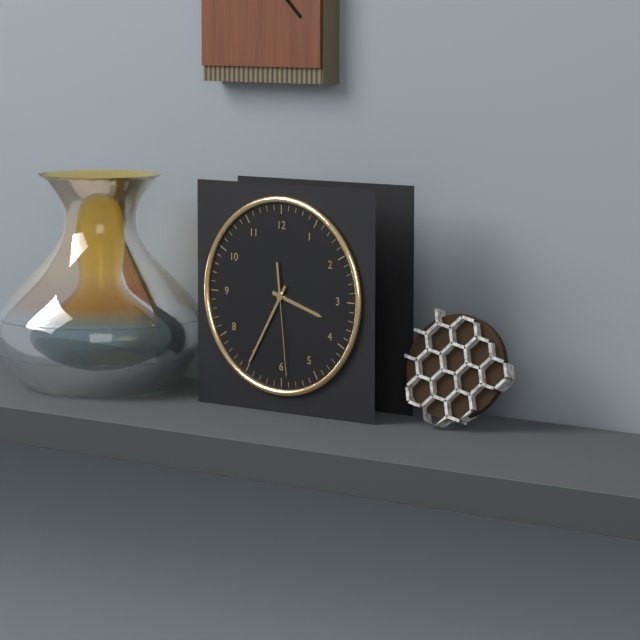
**3:35:29**
